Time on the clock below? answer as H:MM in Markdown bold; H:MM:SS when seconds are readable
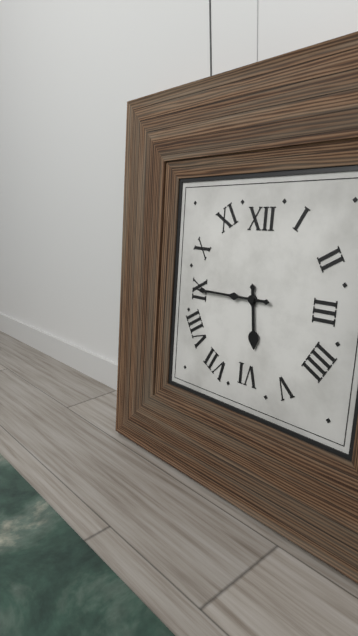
**5:45**
